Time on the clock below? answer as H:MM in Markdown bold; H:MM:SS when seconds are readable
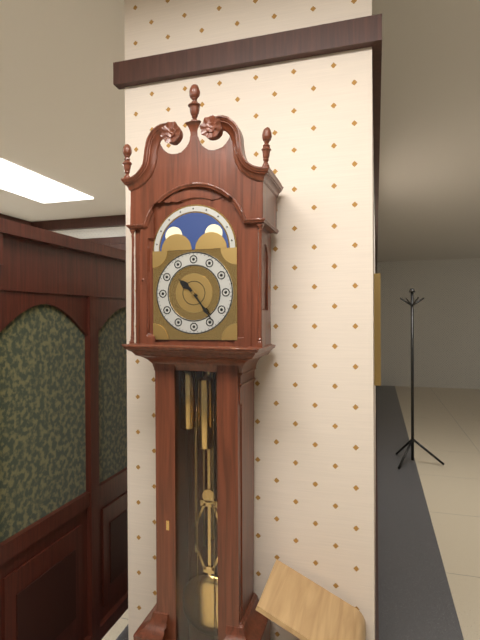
**10:24**
